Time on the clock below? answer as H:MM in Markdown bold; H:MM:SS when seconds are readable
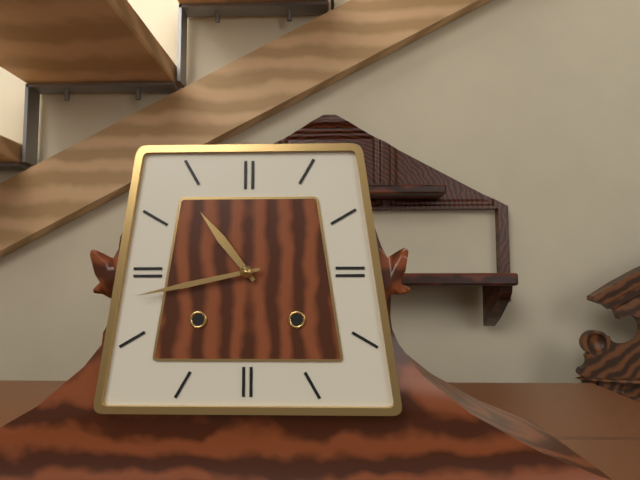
**10:43**
